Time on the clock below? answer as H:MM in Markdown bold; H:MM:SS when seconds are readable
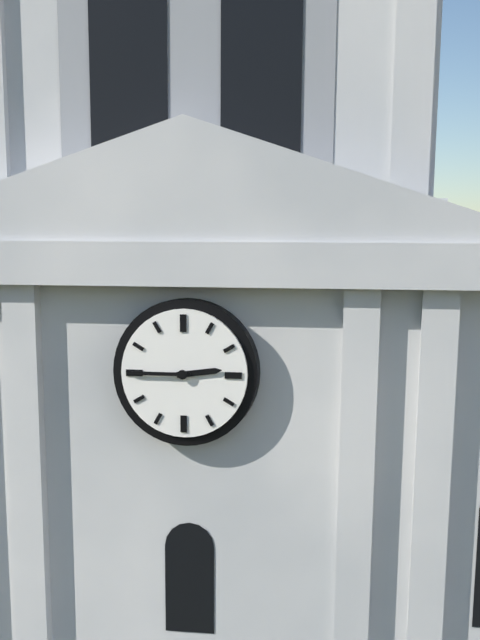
**2:45**
